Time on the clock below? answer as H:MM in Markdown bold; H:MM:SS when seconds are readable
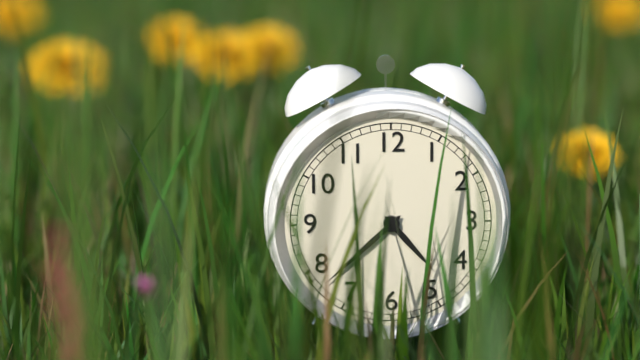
**4:38**
